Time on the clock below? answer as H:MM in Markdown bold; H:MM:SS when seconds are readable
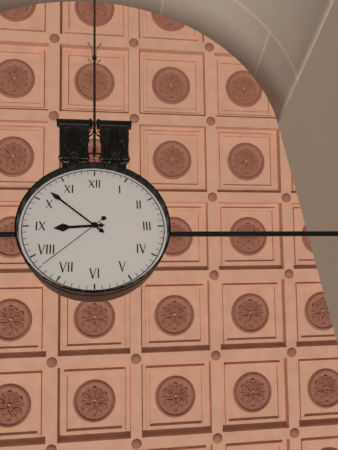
**8:52:38**
